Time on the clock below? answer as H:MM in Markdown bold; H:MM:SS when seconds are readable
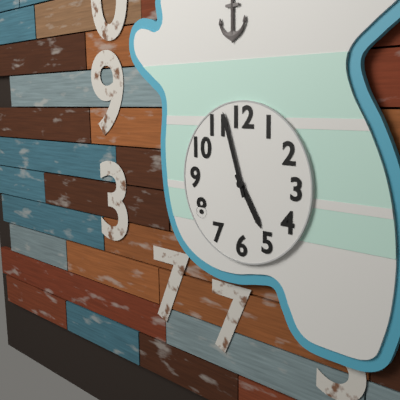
**4:57**
